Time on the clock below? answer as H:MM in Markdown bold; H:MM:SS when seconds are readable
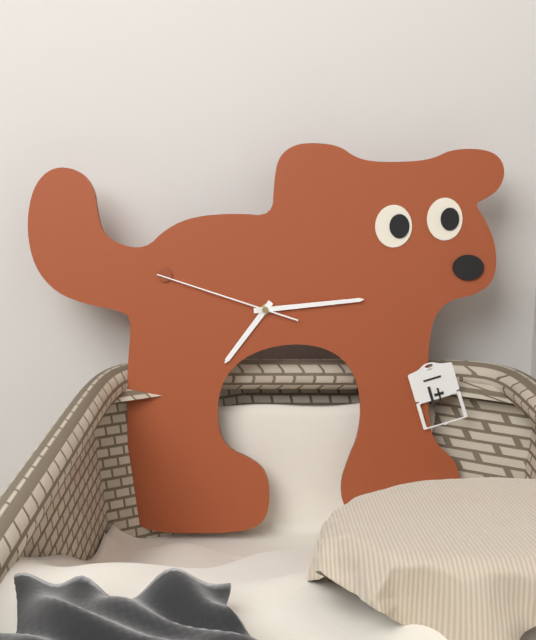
**7:14:48**
